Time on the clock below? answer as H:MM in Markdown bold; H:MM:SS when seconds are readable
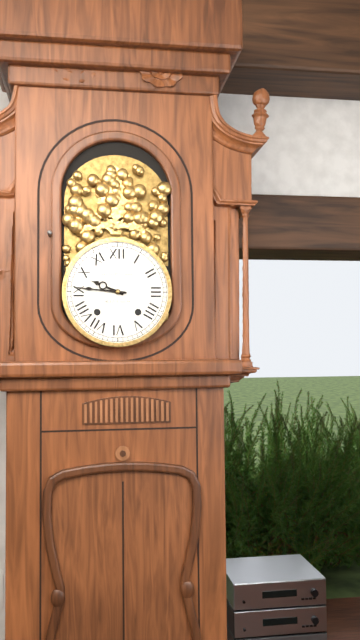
**9:46**
